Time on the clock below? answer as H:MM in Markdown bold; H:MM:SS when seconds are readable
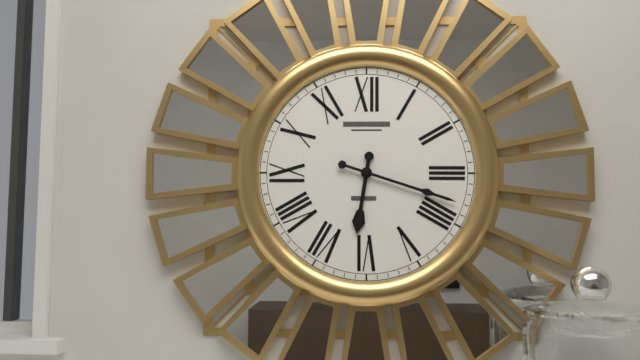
**6:18**
